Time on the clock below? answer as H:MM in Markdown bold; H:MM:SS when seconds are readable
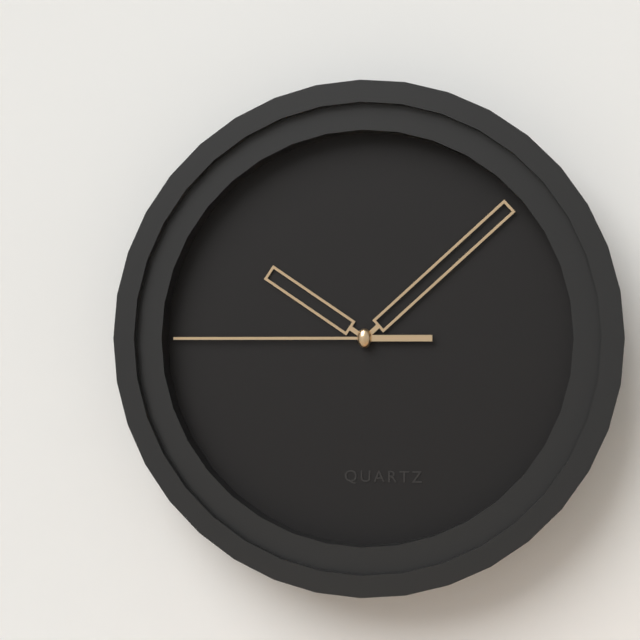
**10:08:45**
